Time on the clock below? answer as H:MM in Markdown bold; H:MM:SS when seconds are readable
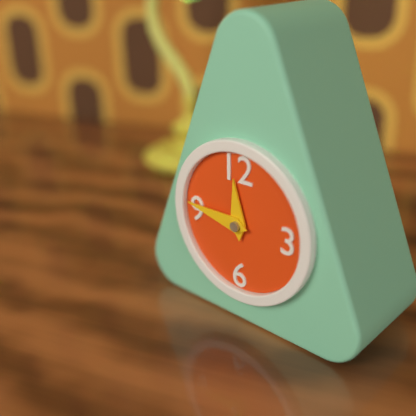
**11:46**
